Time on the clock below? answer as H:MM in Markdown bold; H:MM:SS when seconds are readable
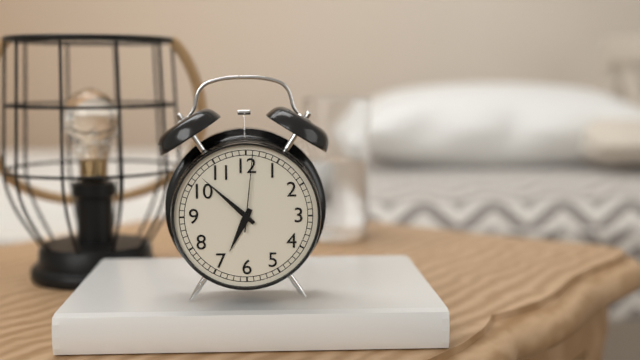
**6:52:01**
